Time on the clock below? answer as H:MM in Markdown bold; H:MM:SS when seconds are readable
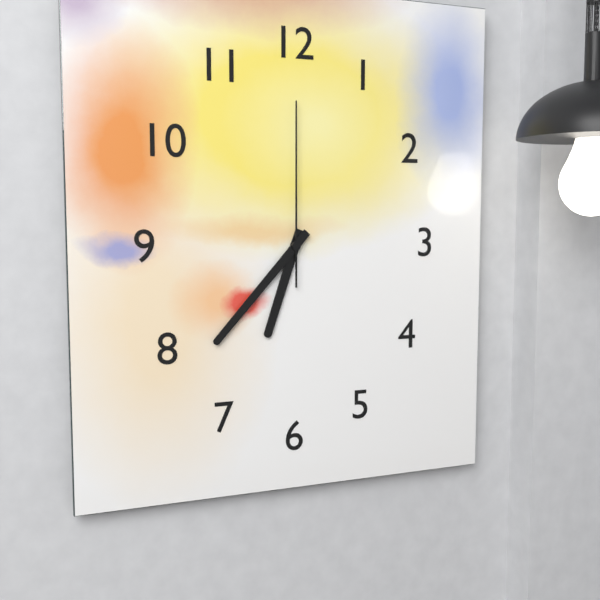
**6:37:00**
